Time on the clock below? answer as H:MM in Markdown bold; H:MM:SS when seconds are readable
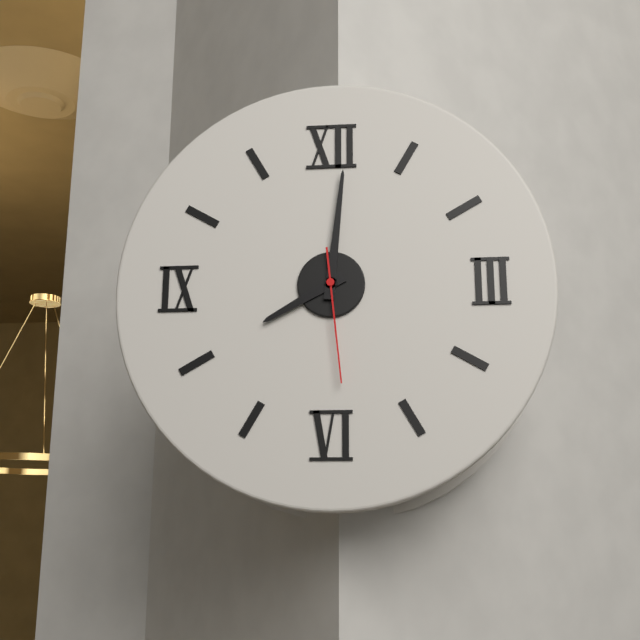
**8:01:29**
